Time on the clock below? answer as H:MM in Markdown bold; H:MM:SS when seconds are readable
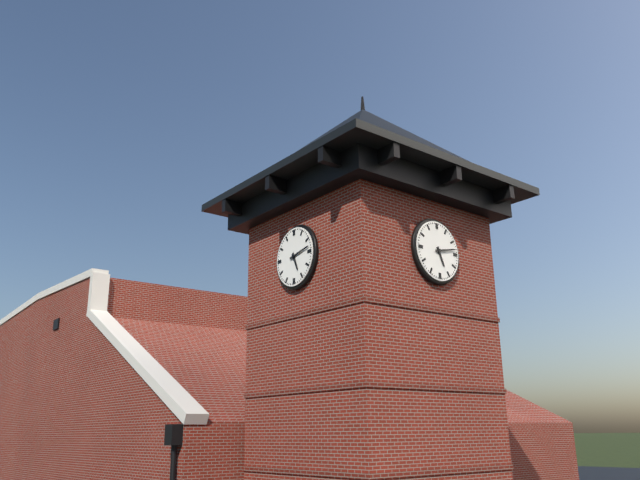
**5:13**
